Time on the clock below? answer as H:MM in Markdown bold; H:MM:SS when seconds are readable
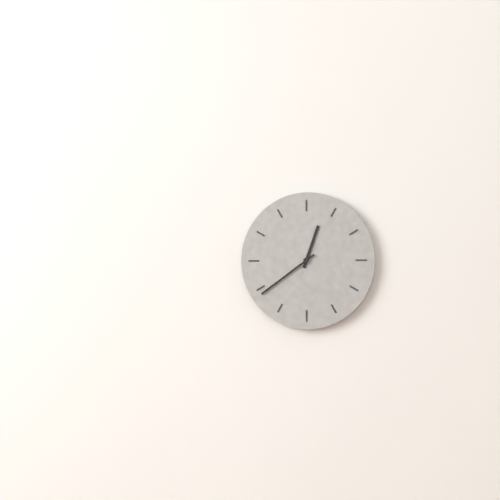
**12:39**
